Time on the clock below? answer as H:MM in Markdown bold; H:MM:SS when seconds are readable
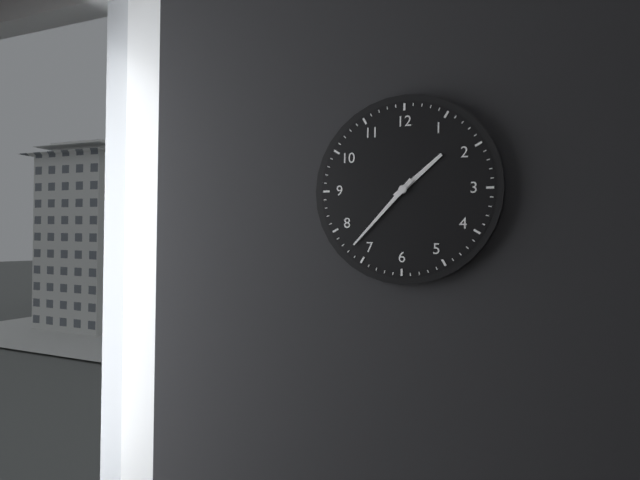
**1:37**
